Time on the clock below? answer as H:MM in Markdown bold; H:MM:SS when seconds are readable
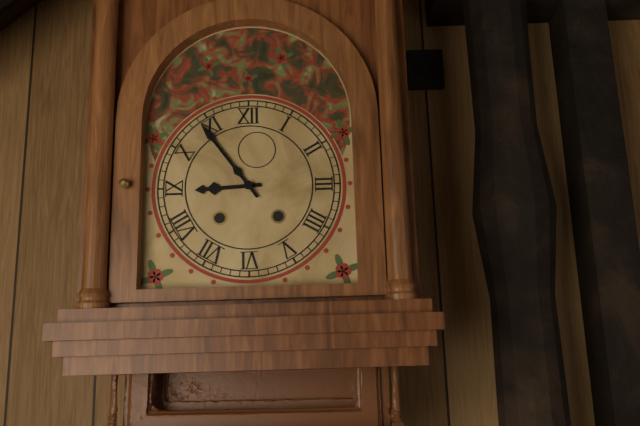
**8:54**
